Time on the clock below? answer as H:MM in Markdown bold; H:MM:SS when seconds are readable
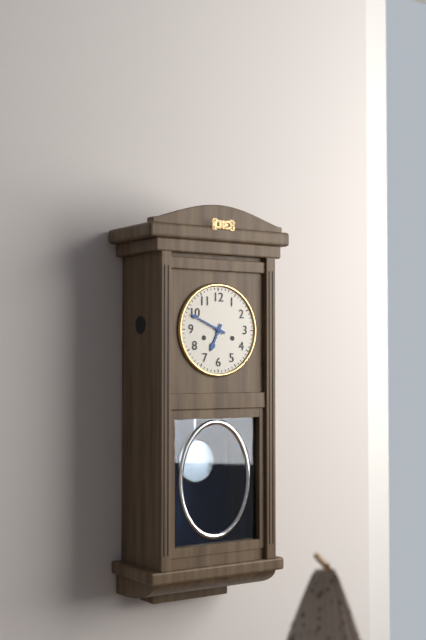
**6:49**
